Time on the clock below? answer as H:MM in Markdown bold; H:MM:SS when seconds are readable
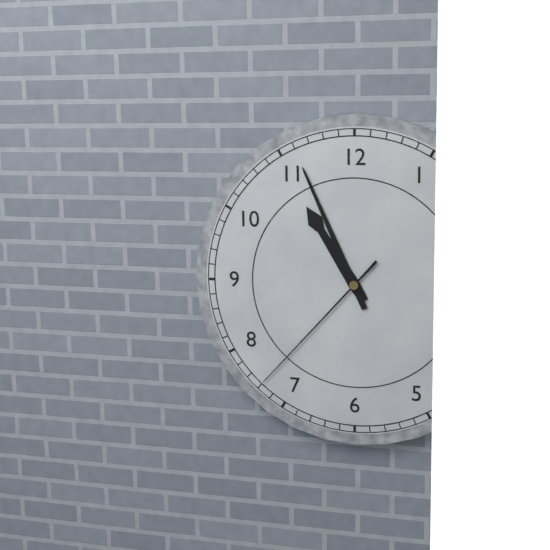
**10:56:37**
